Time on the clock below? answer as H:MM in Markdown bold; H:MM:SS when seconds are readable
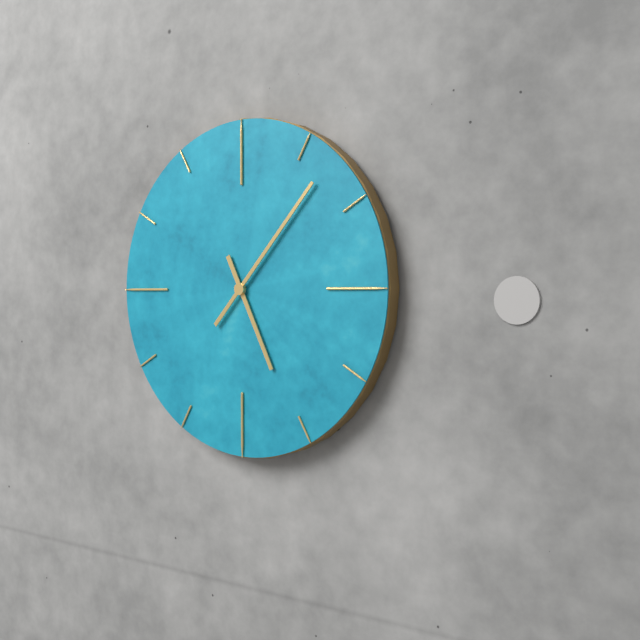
**5:07**
